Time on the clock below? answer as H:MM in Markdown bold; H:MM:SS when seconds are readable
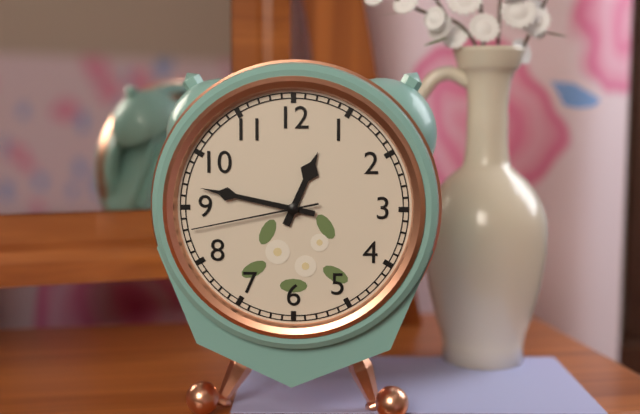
**12:47:43**
